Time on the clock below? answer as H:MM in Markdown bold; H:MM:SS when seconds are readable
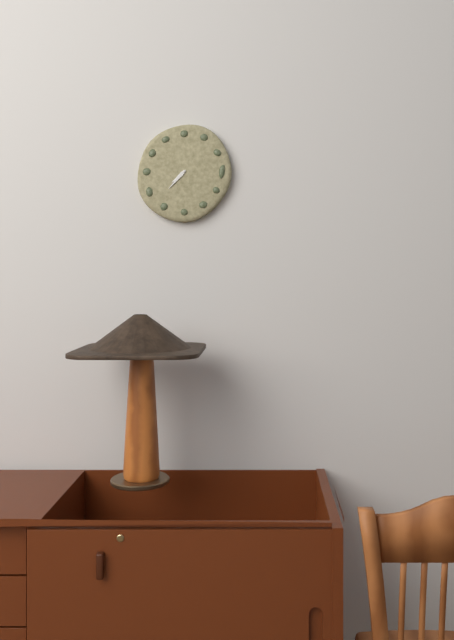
**7:37**
